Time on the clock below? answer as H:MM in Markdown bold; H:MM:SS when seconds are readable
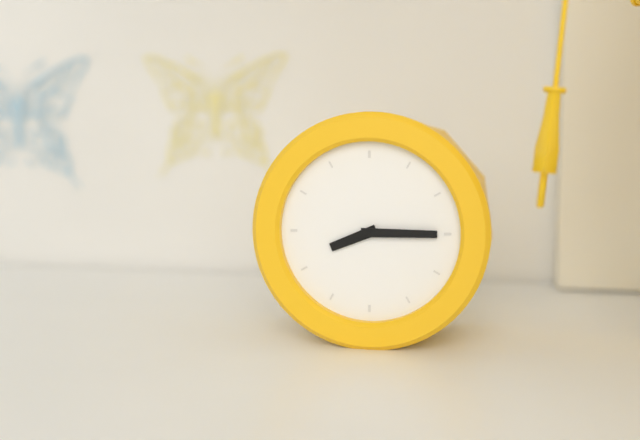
**8:15**
